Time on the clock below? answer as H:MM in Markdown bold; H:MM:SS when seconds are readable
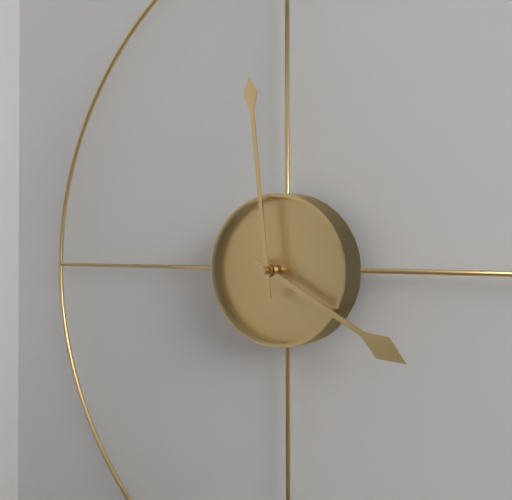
**3:59**
